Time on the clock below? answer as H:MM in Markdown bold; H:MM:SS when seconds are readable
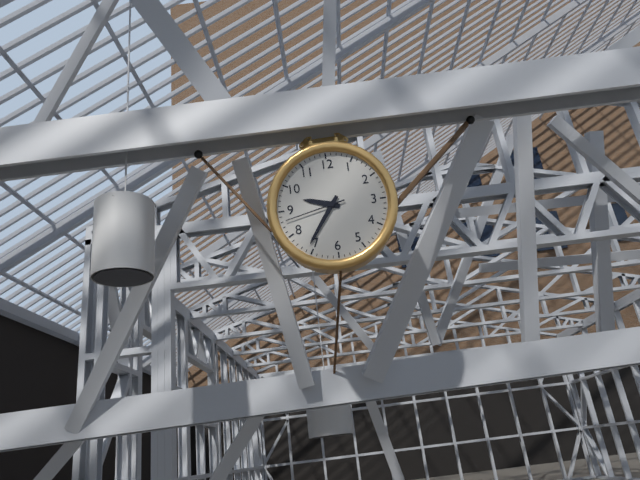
**9:36:43**
